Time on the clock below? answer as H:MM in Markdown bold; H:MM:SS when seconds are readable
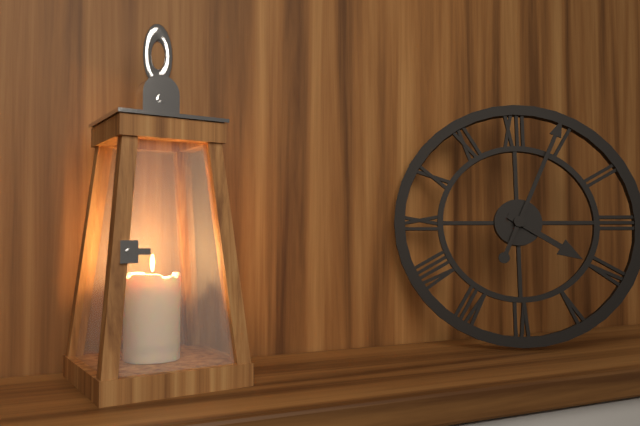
**4:04**
